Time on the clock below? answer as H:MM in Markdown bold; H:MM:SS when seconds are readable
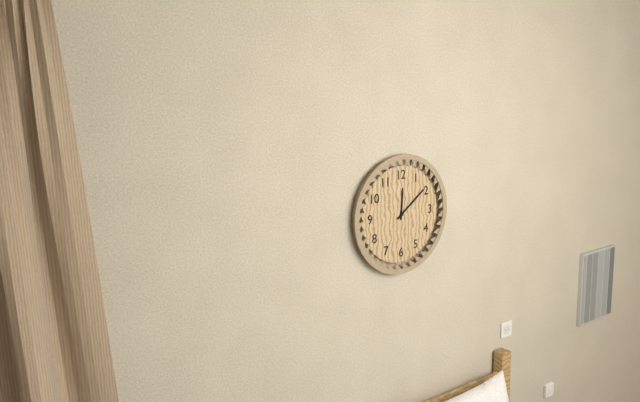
**12:09**
